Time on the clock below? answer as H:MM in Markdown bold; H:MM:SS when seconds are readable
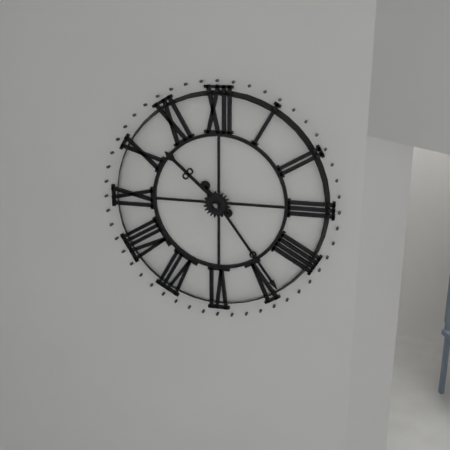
**10:24**
